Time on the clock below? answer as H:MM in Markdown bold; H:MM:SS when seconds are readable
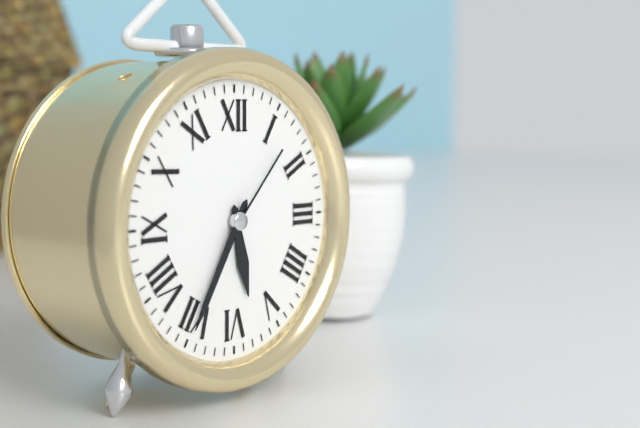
**5:35:07**
